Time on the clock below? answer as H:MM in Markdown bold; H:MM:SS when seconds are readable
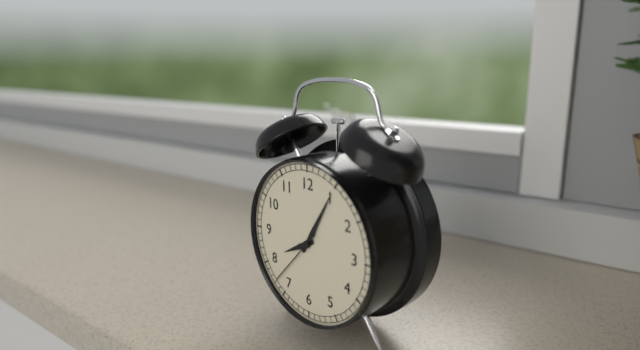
**8:05:37**
